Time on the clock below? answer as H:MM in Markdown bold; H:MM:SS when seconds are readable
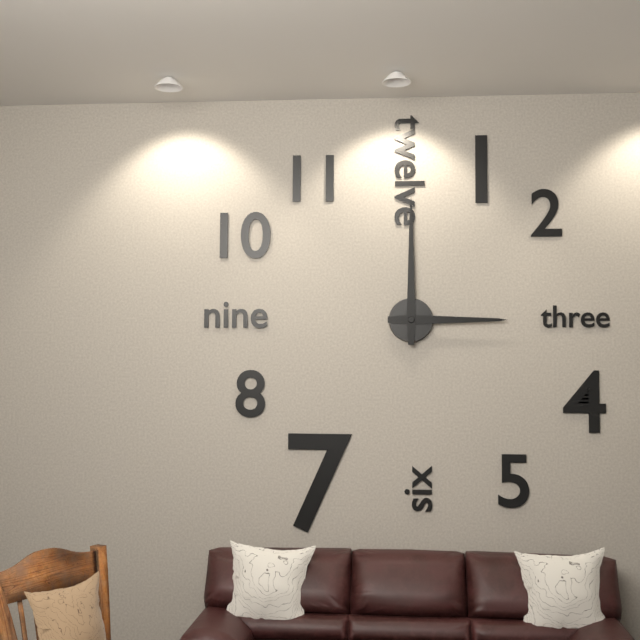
**3:00**
